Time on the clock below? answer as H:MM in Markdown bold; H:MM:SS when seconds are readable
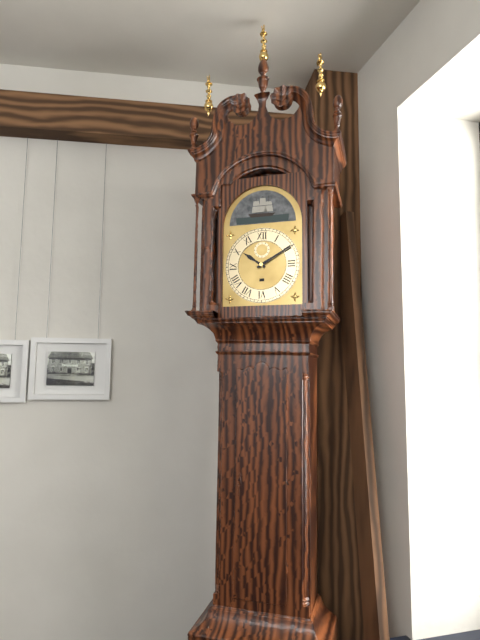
**10:10**
